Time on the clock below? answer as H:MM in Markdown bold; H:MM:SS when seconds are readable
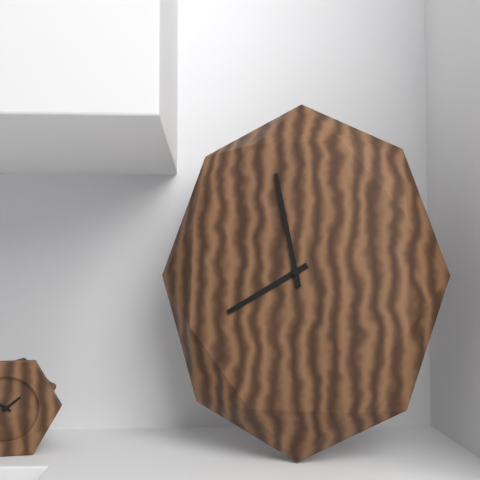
**7:58**
